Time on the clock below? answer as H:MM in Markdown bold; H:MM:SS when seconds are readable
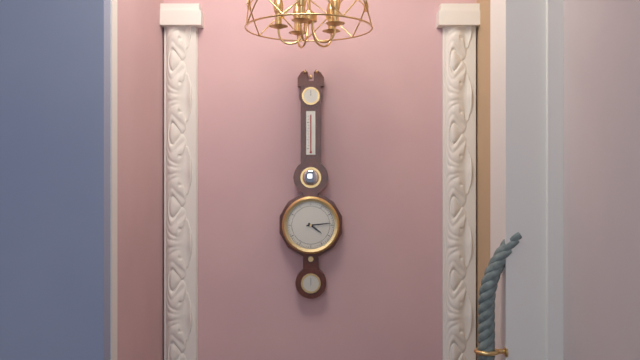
**4:14**
